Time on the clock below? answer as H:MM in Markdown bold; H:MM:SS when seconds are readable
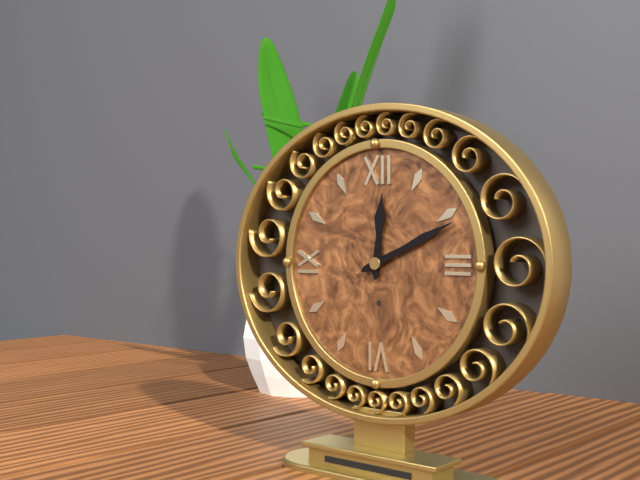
**12:11**
